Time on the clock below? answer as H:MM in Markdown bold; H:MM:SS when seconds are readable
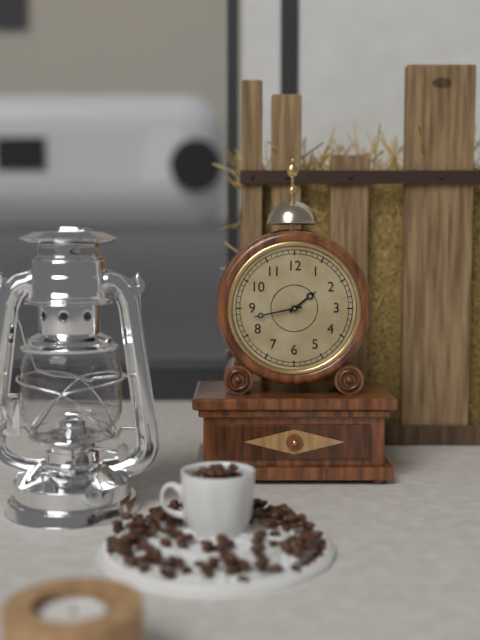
**1:43**
